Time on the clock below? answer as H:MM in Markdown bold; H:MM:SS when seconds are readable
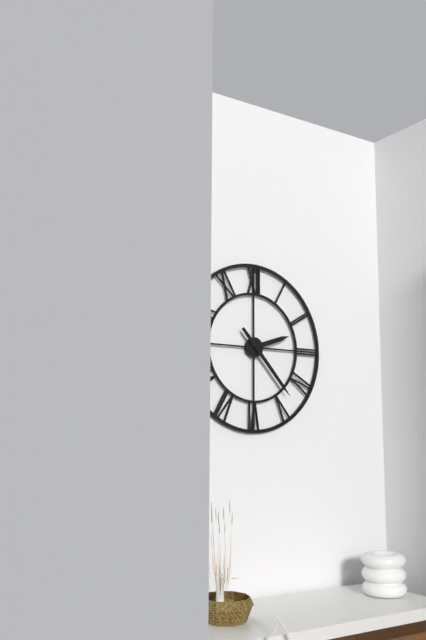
**2:23**
